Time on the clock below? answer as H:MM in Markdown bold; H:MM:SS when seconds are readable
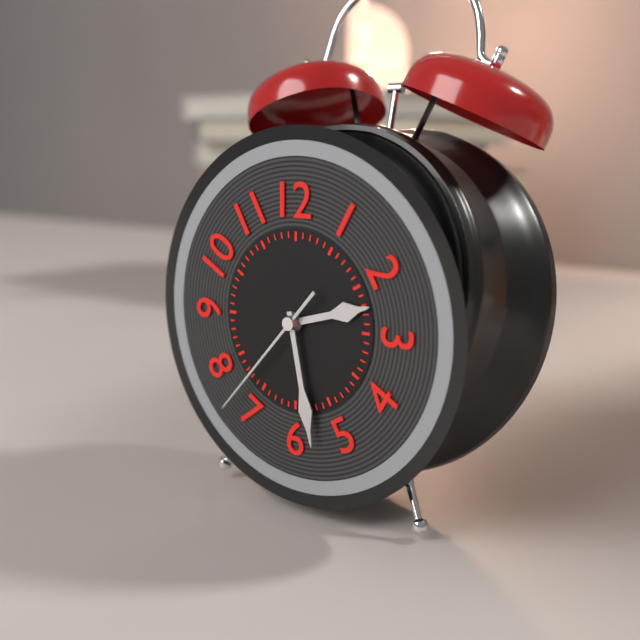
**2:28:37**
